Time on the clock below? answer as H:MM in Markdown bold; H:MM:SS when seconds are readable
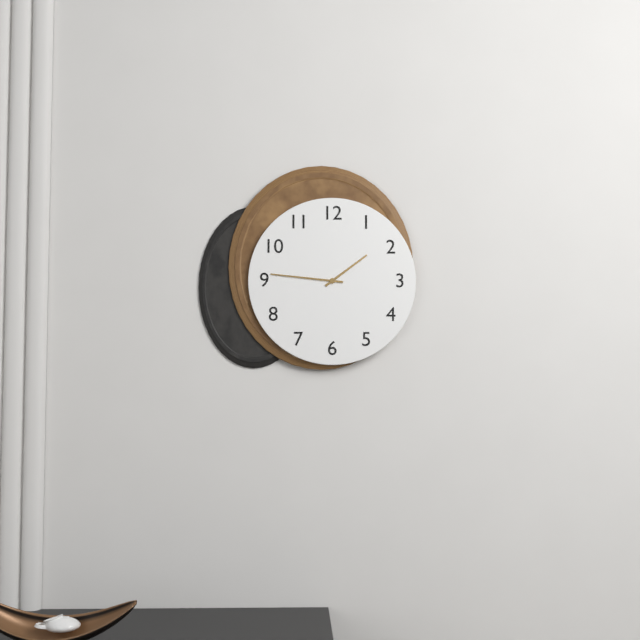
**1:46**
